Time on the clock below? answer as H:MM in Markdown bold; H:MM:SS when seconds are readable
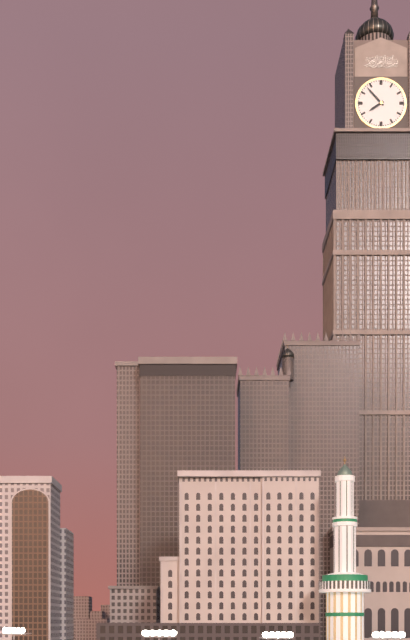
**7:53**
